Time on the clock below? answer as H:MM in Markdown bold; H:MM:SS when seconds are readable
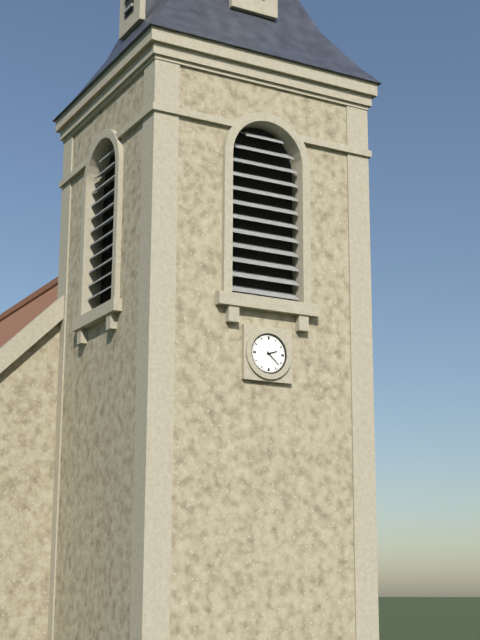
**2:22**
